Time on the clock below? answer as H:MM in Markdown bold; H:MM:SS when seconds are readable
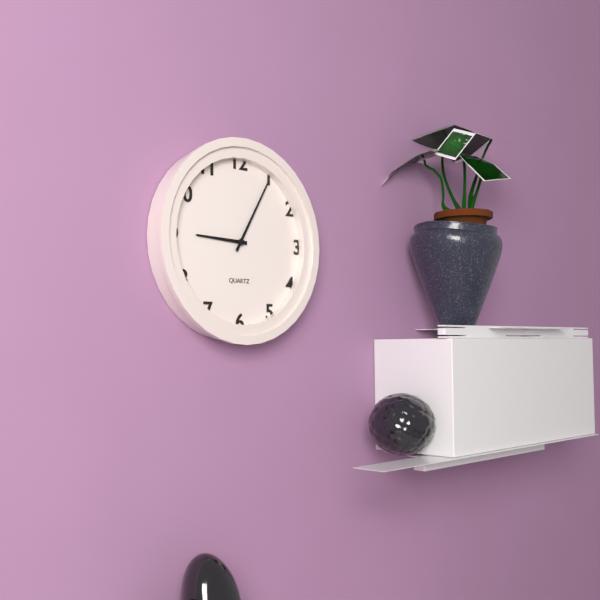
**9:05**
